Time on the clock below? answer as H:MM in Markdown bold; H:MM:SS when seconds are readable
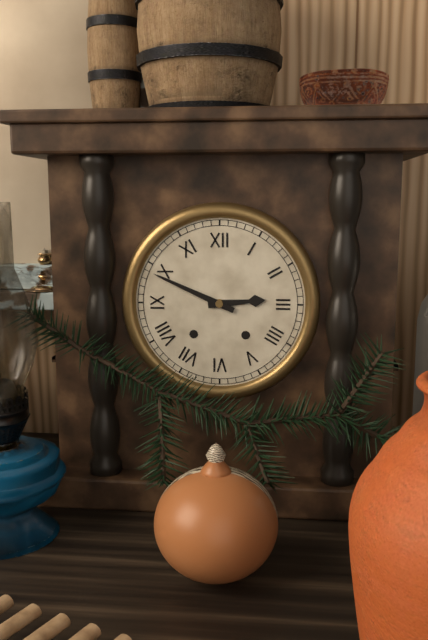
**2:49**
